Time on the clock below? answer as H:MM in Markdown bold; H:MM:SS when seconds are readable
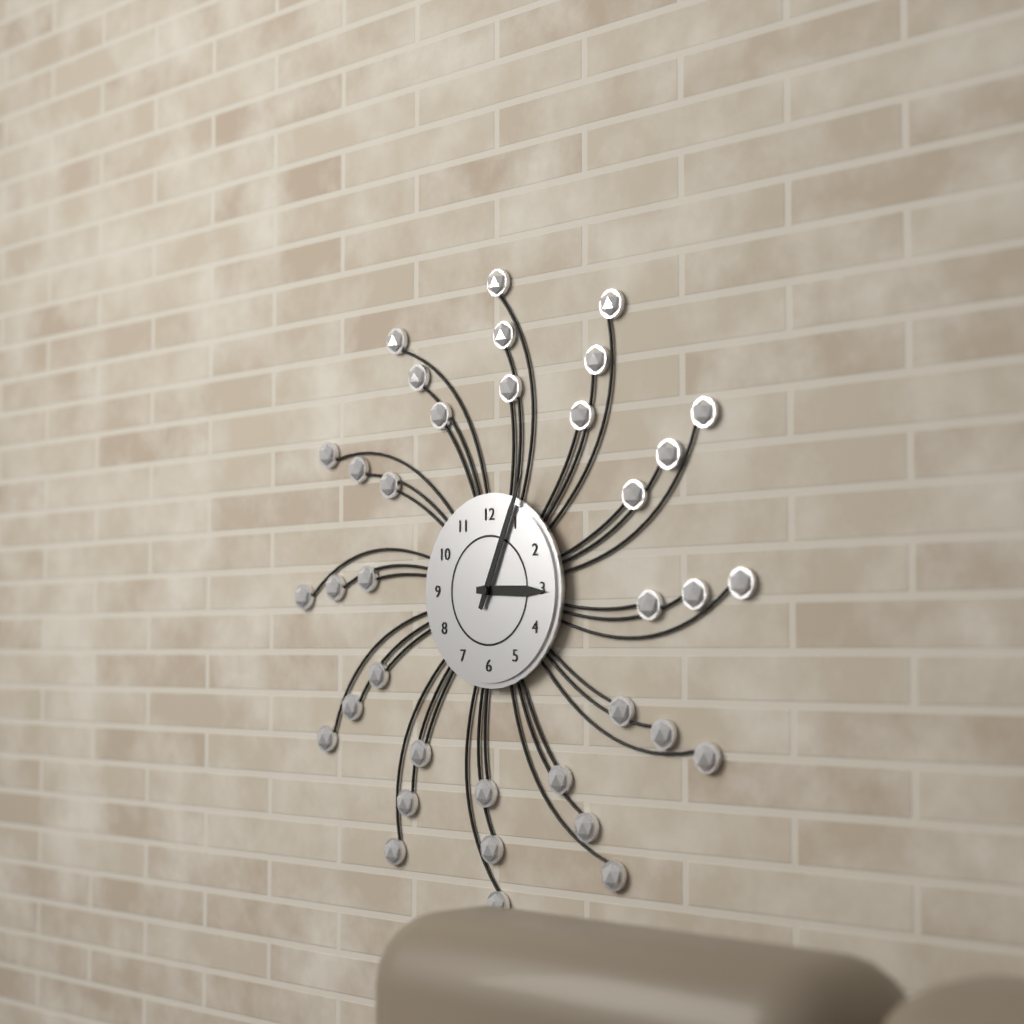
**3:04**
